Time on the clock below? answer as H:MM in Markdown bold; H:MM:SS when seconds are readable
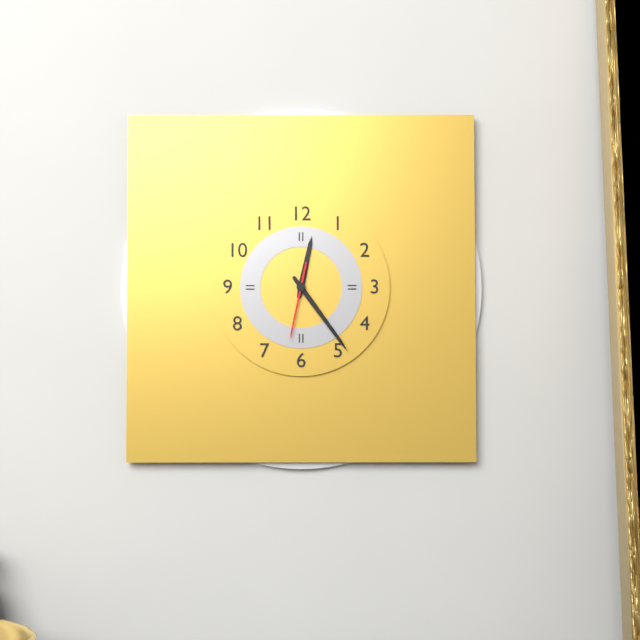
**12:24:32**
